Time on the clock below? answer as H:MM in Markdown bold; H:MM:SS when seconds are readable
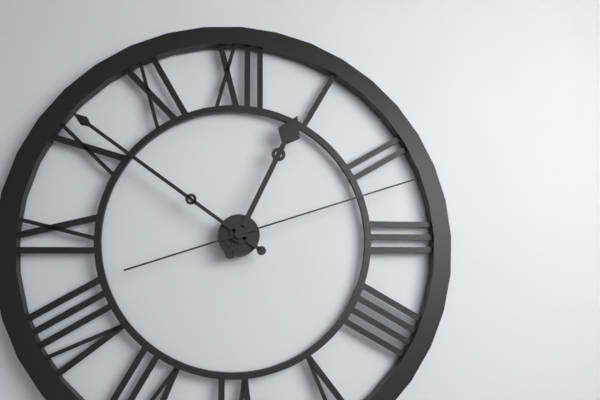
**12:51:12**
